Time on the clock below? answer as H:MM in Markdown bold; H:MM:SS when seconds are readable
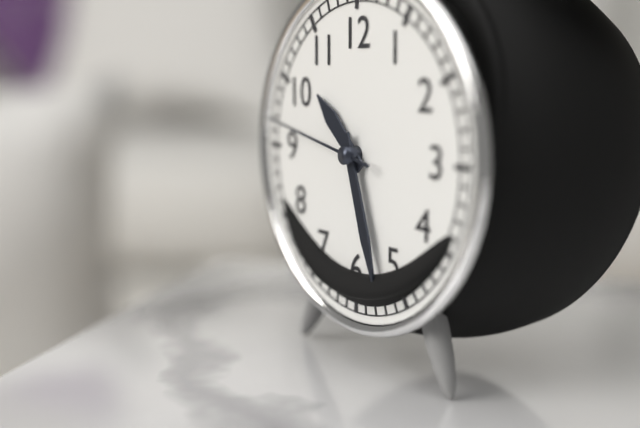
**10:27:47**
